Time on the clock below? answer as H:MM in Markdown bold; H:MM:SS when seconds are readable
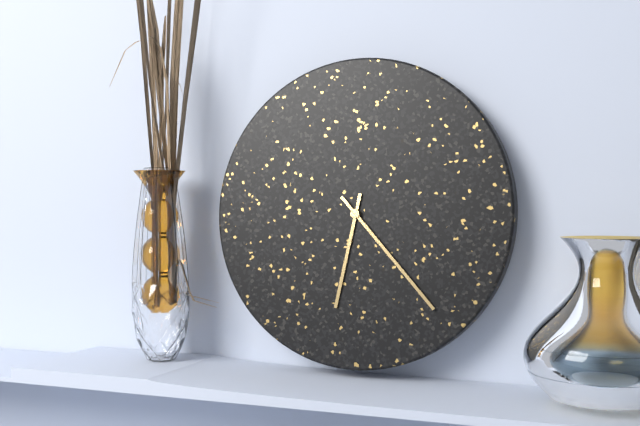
**6:23**
